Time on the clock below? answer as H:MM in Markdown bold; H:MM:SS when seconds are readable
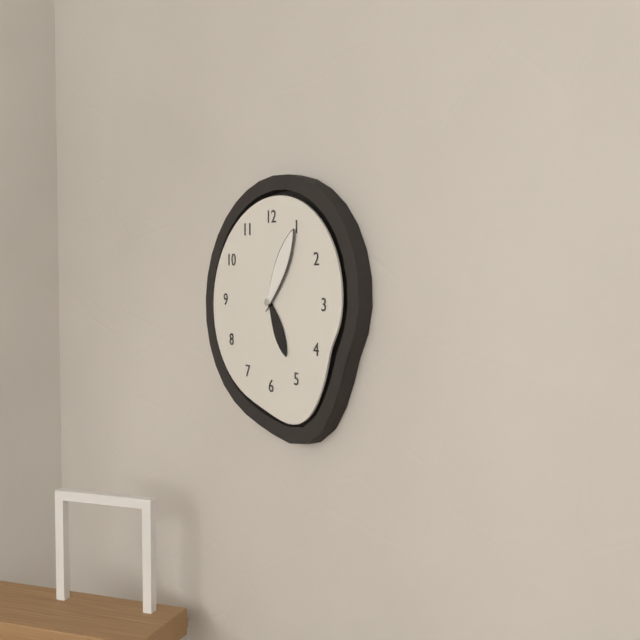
**5:05**
